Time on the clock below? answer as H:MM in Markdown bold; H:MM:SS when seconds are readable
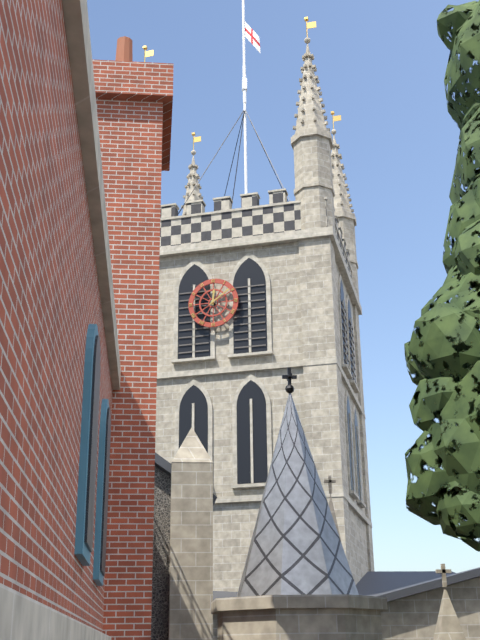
**12:09**
